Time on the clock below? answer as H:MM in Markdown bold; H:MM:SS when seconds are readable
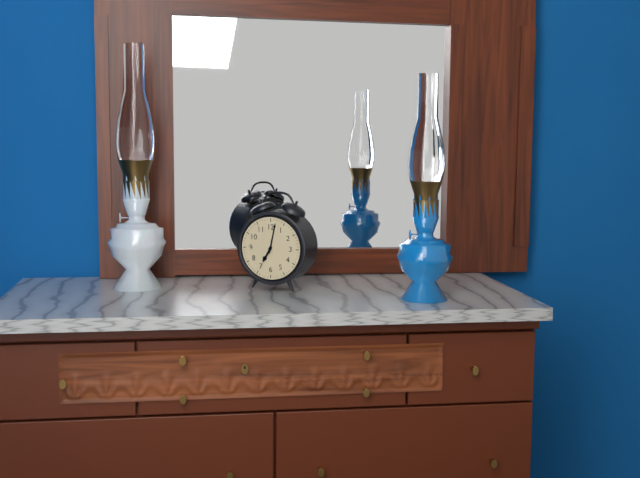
**7:02**
